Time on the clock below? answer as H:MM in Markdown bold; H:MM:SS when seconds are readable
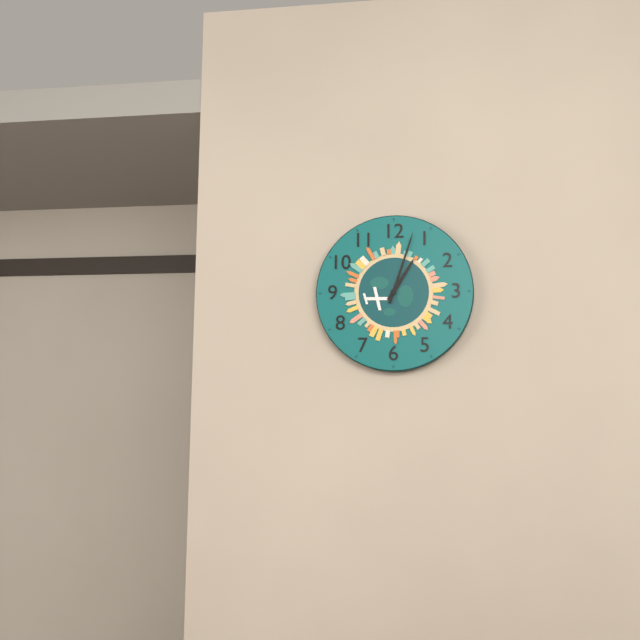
**1:03**
